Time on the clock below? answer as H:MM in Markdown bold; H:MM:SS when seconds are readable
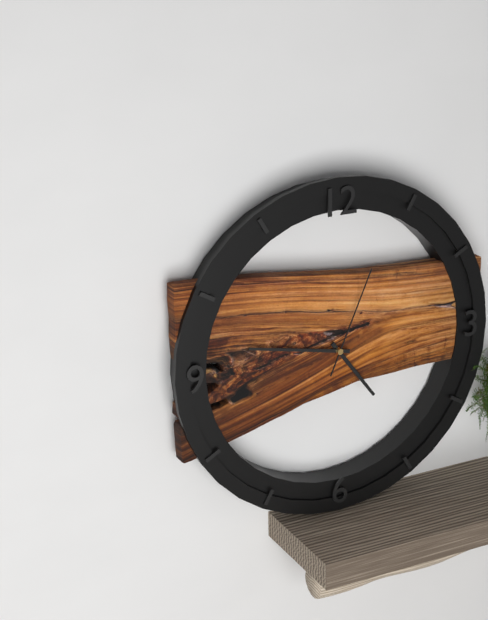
**4:47:04**
